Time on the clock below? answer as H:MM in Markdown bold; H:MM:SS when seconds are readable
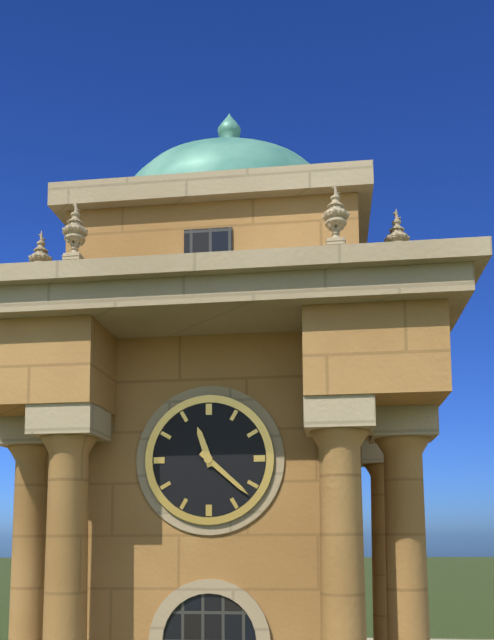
**11:22**
